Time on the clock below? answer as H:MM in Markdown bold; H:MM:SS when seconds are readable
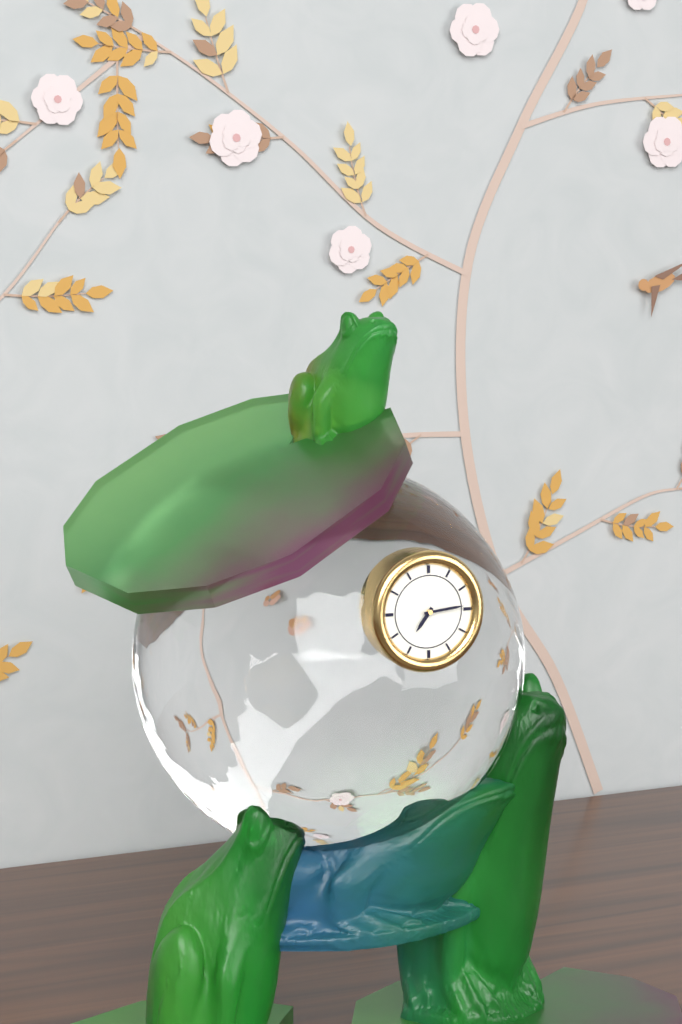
**7:14**
